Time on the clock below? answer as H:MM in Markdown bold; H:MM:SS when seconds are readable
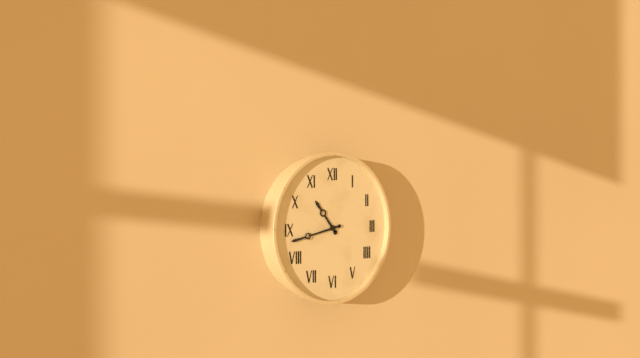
**10:43**
